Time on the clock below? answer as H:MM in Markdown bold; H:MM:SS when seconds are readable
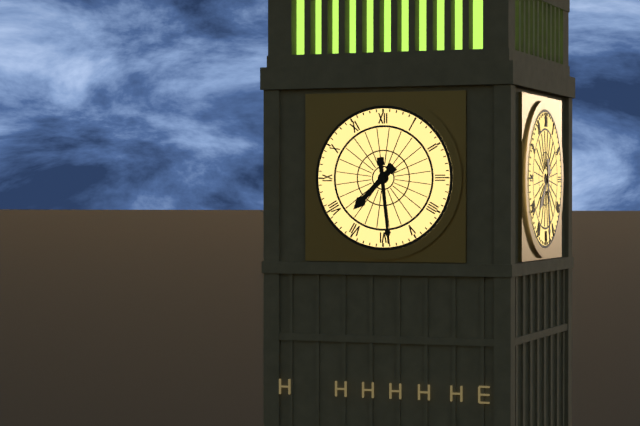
**7:29**
